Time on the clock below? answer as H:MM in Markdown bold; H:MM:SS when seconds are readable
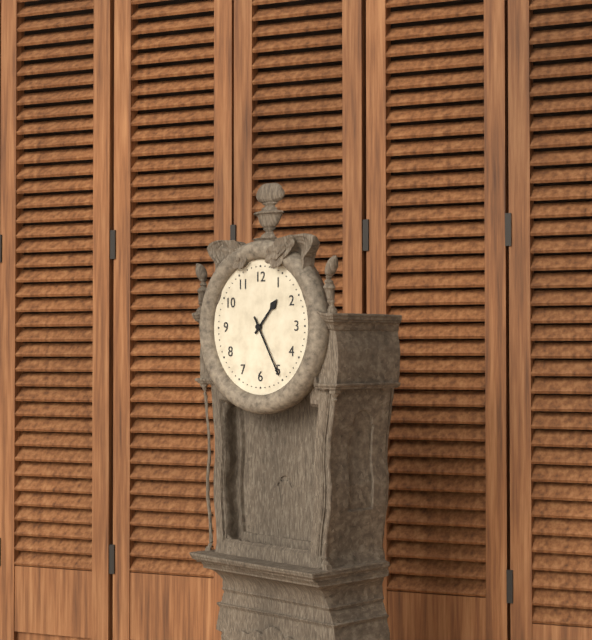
**1:25**
